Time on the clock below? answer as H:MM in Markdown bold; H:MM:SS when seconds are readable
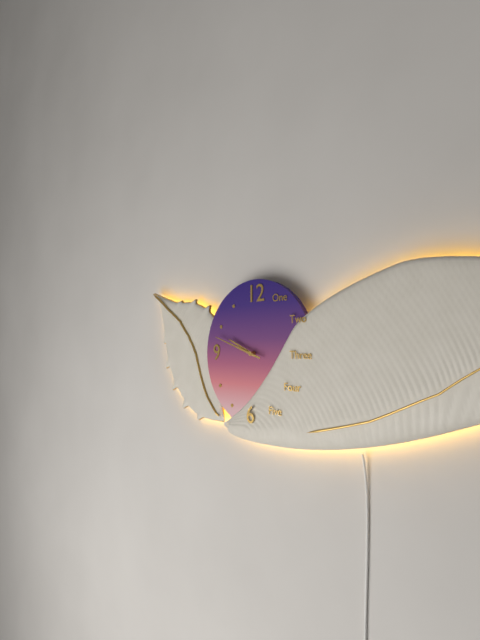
**9:48**
